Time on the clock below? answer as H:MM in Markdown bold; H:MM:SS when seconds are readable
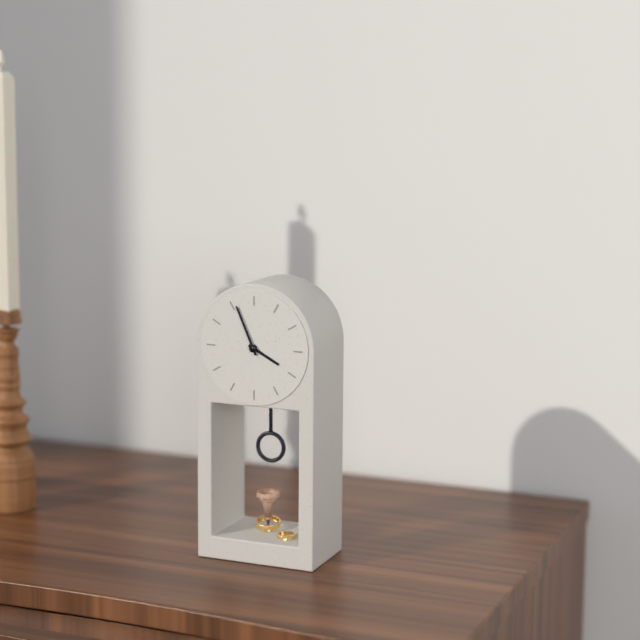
**3:56**
